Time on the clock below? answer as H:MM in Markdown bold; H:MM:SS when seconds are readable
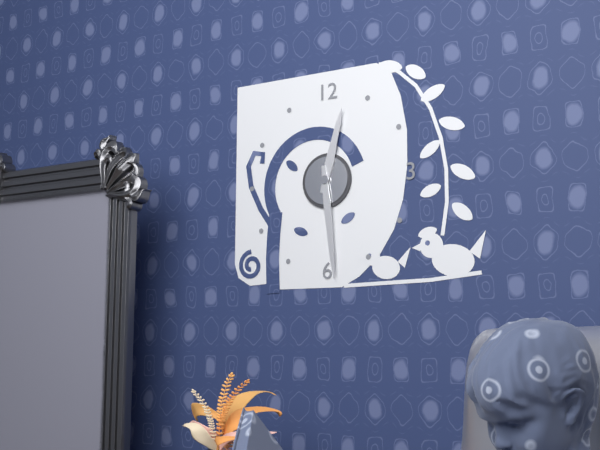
**12:29**
